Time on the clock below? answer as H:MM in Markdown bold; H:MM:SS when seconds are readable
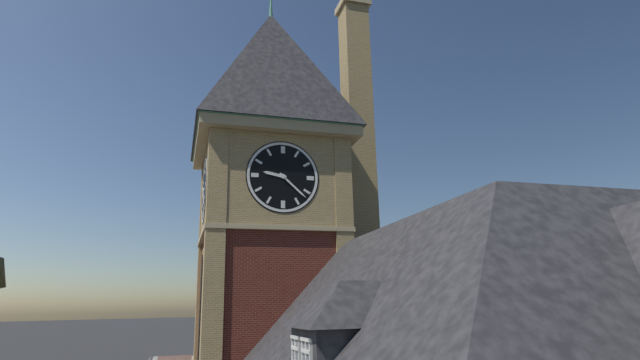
**9:22**
